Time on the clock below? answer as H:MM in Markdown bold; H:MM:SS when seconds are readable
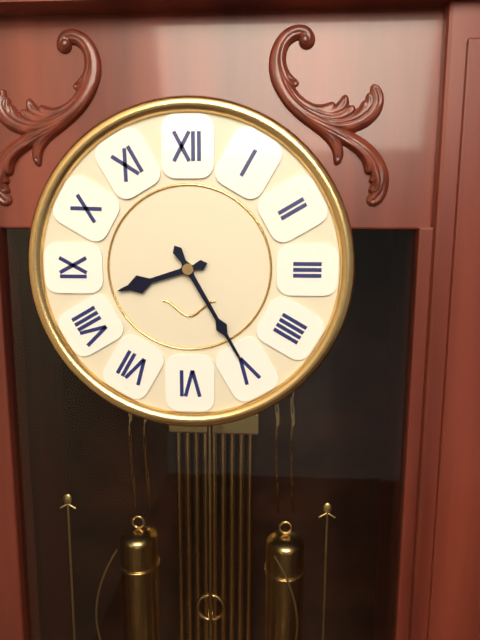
**8:25**
